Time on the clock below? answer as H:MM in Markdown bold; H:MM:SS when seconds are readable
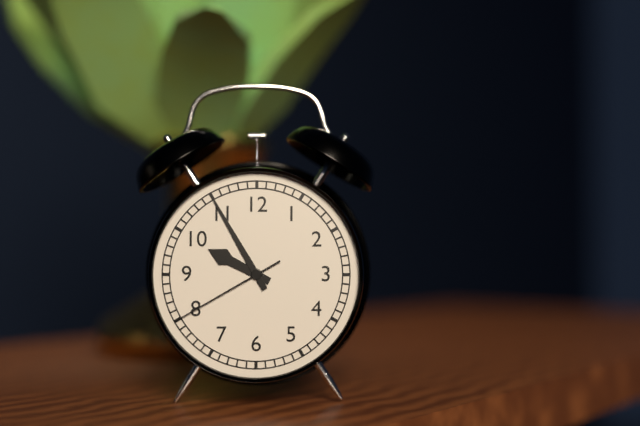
**9:55:40**
